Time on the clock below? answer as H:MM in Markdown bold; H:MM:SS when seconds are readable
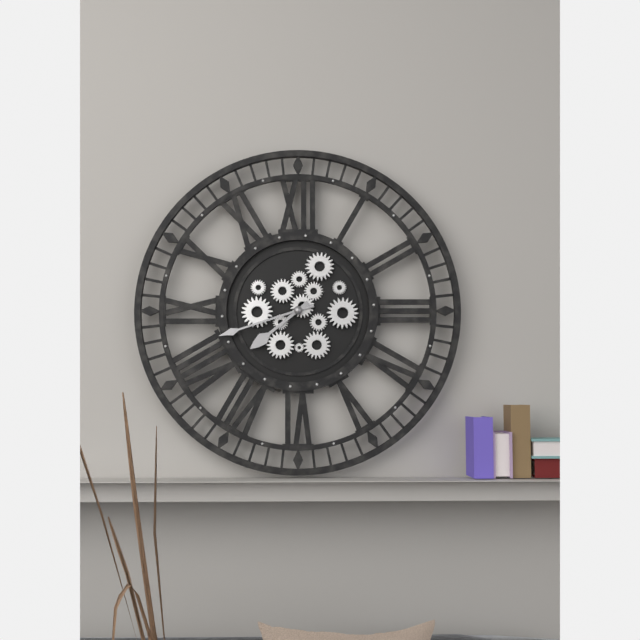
**7:42**
